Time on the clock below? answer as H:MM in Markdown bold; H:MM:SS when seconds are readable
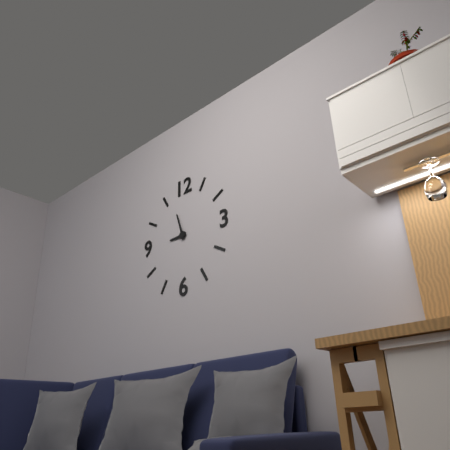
**8:57**
